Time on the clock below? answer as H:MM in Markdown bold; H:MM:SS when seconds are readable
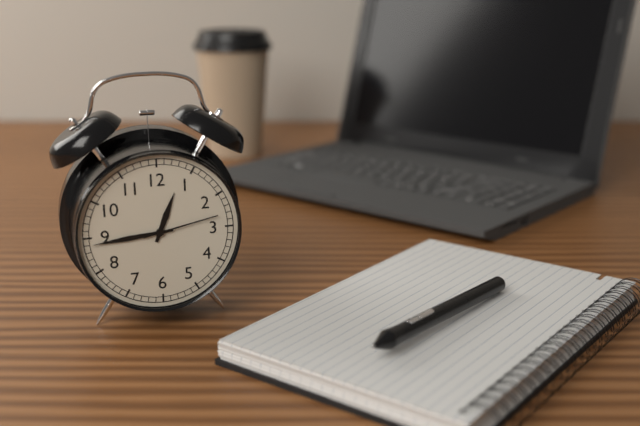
**12:44:13**
